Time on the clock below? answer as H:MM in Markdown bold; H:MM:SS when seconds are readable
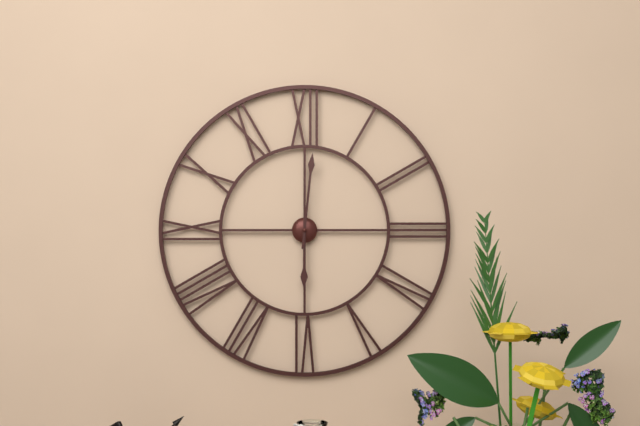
**6:01**
